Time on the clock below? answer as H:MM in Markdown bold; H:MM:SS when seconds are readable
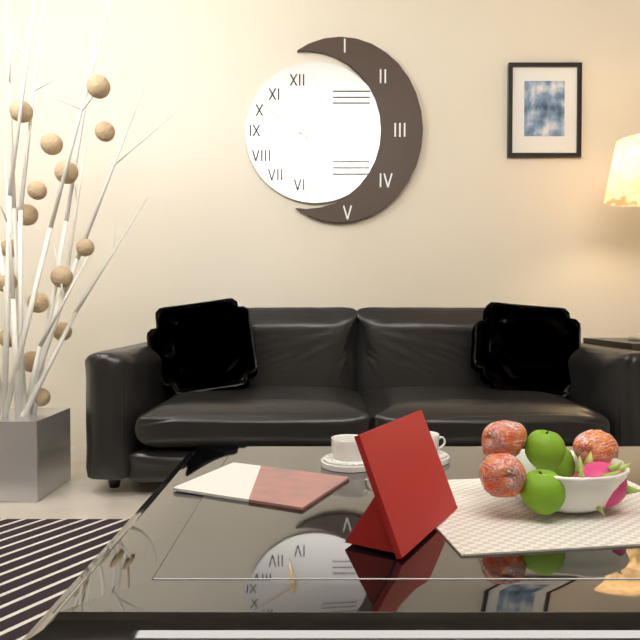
**6:32:51**
